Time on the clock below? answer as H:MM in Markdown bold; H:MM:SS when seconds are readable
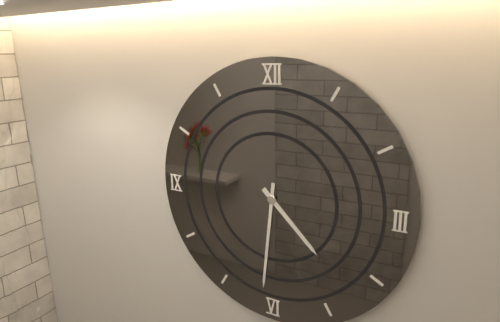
**4:31**
